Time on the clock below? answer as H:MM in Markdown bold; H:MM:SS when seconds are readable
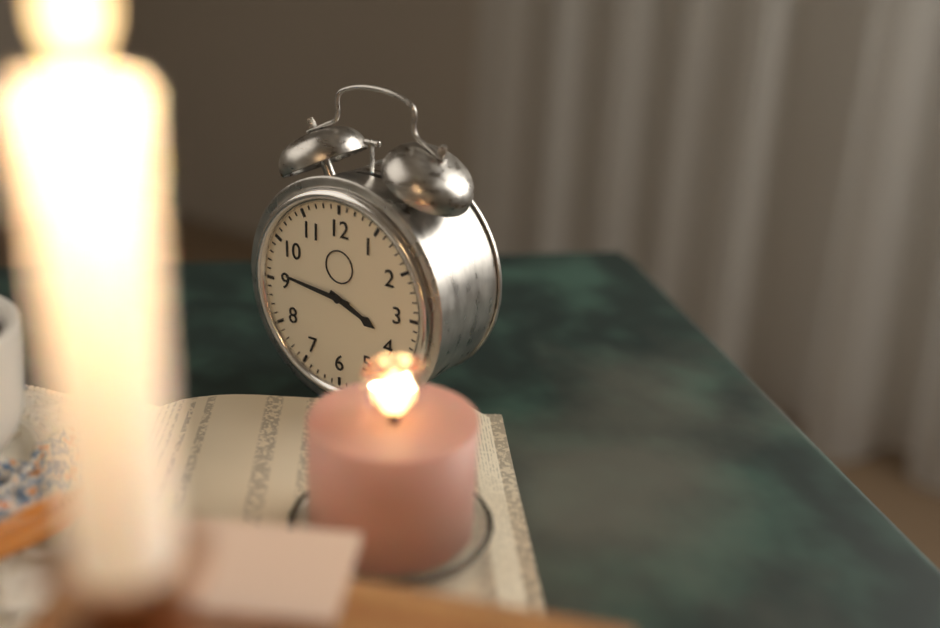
**3:46**
